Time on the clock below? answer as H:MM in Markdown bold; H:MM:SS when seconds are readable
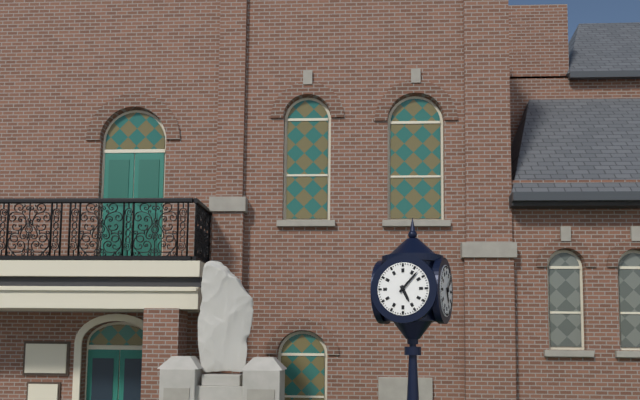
**5:07**
